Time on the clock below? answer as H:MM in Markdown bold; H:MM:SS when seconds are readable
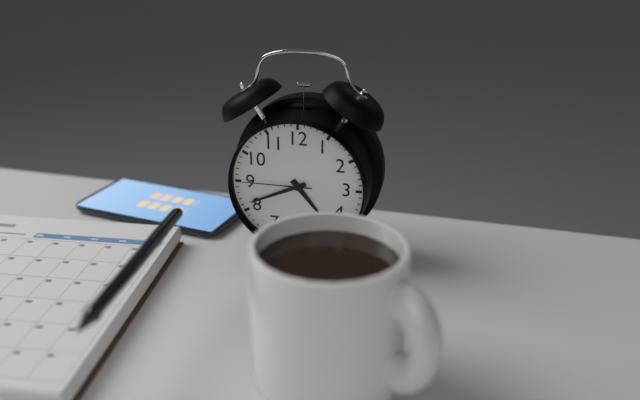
**4:41:45**
